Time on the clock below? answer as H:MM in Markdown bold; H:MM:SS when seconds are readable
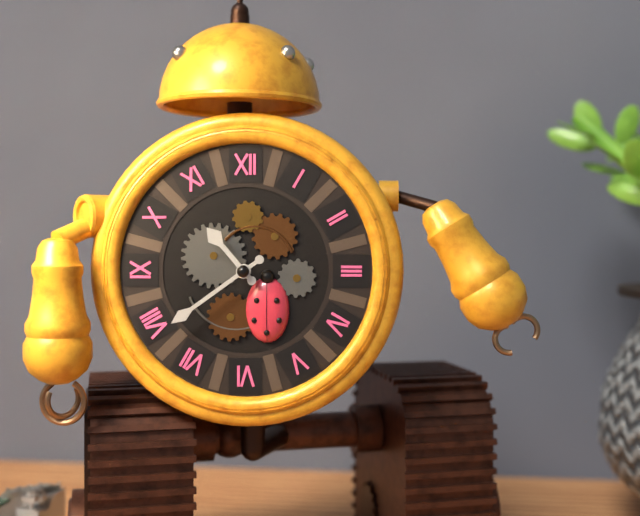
**10:39**
